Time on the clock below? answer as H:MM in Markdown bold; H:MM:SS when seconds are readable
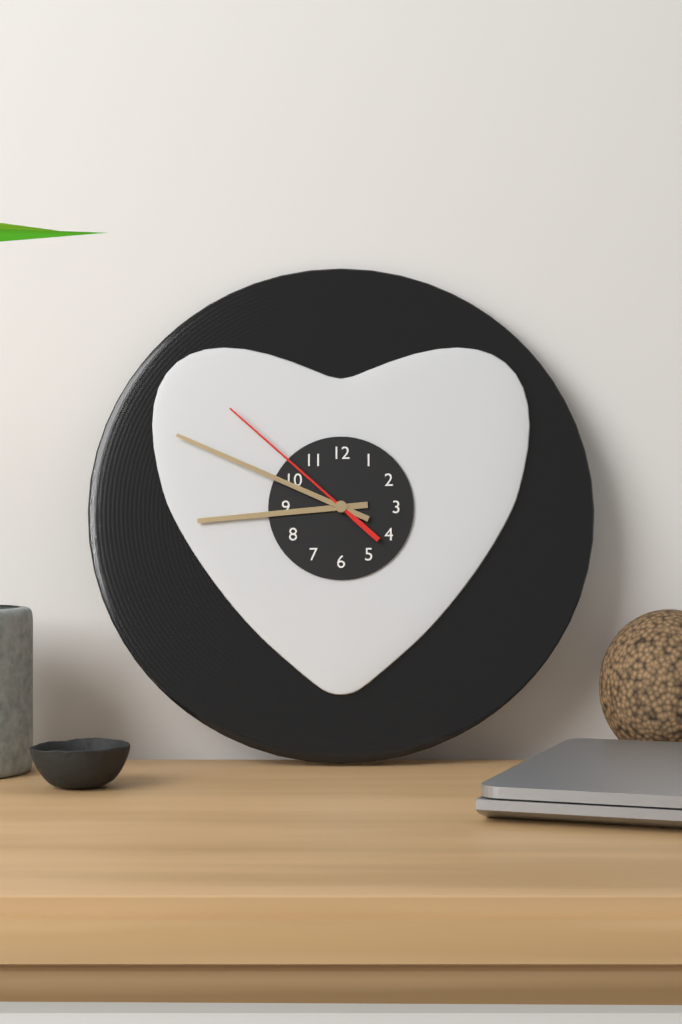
**8:49:52**
